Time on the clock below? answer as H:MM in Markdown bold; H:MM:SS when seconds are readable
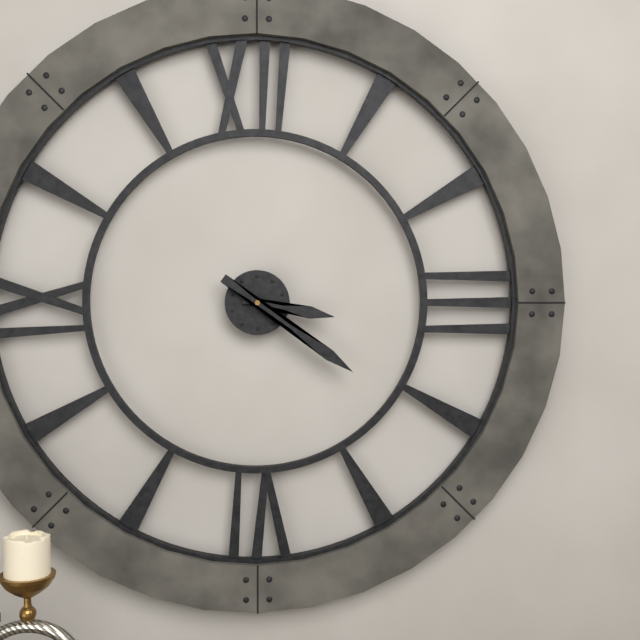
**3:21**
